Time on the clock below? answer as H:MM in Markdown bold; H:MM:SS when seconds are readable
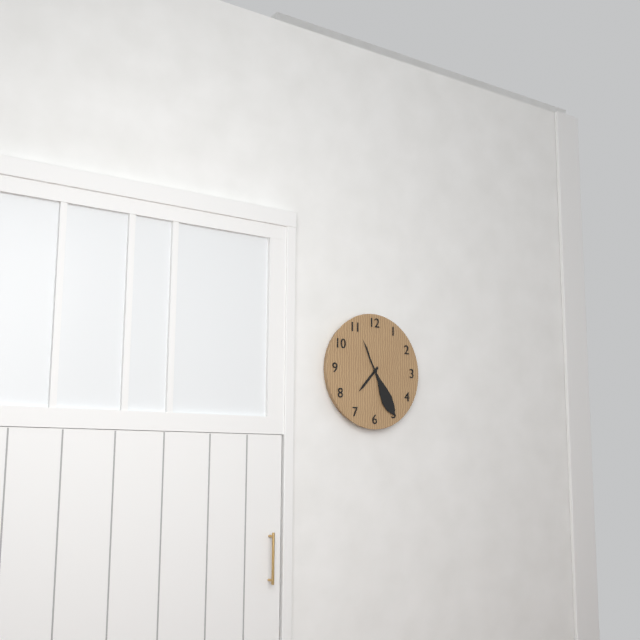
**7:25**
